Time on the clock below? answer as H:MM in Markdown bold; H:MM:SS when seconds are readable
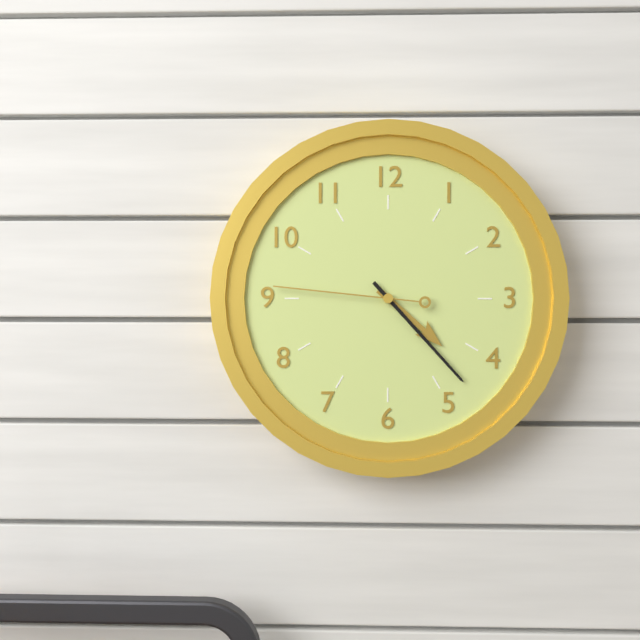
**4:23:46**
